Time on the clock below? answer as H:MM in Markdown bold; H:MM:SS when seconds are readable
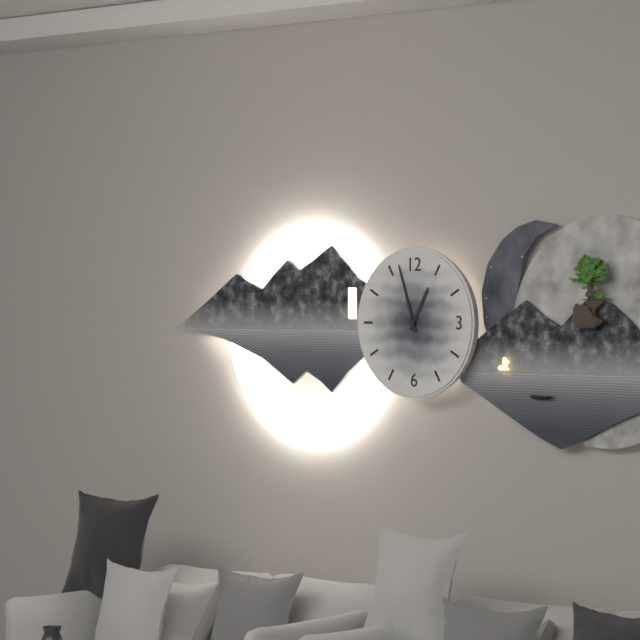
**12:57**
